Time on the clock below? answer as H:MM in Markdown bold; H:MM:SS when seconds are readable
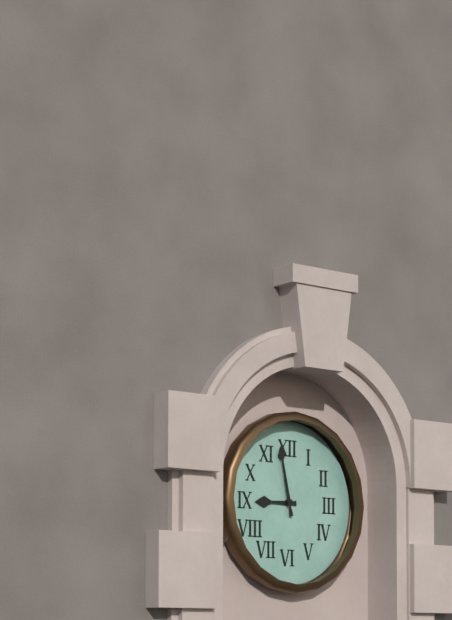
**8:58**
